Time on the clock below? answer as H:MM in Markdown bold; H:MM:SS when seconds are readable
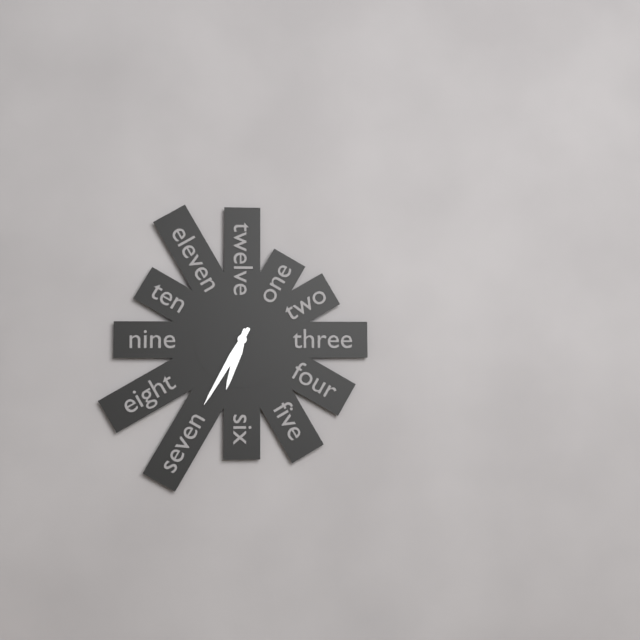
**6:35**
